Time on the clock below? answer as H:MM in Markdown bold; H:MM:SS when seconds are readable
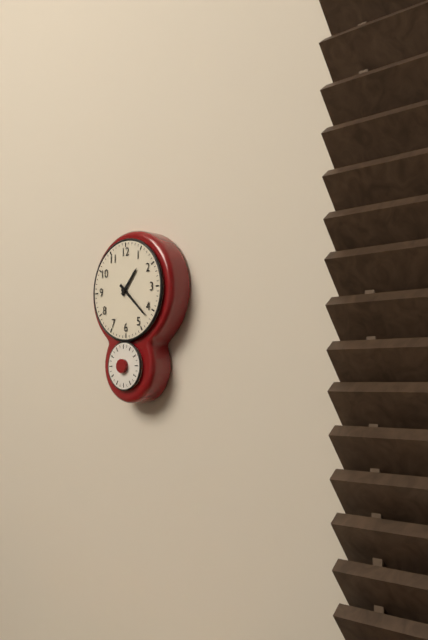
**1:22**
